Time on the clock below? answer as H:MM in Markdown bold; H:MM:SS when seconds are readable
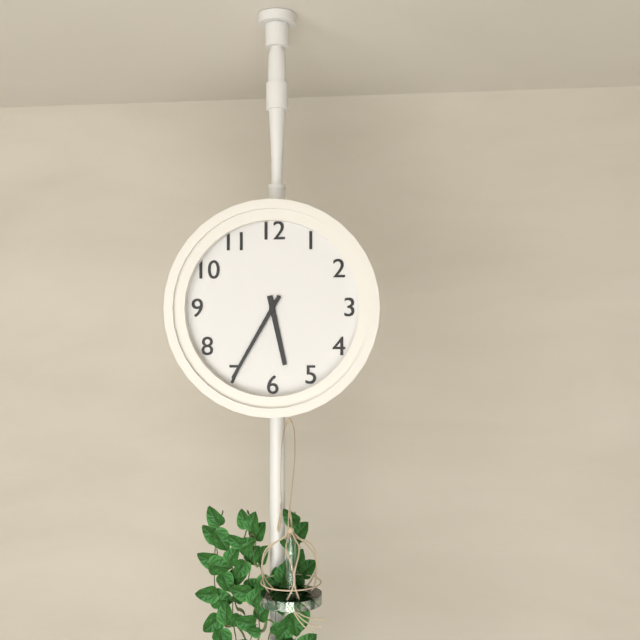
**5:35**
